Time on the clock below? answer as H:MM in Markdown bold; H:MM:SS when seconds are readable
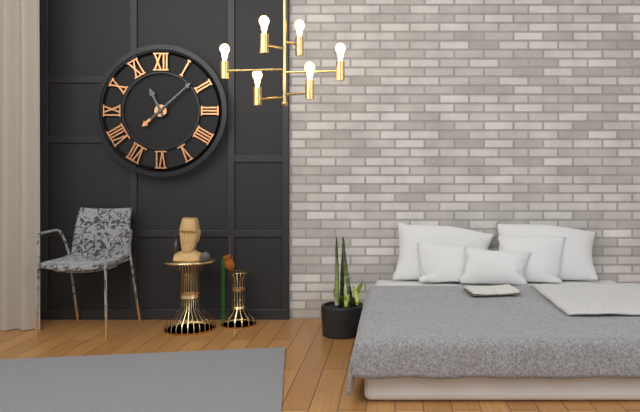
**11:08**
